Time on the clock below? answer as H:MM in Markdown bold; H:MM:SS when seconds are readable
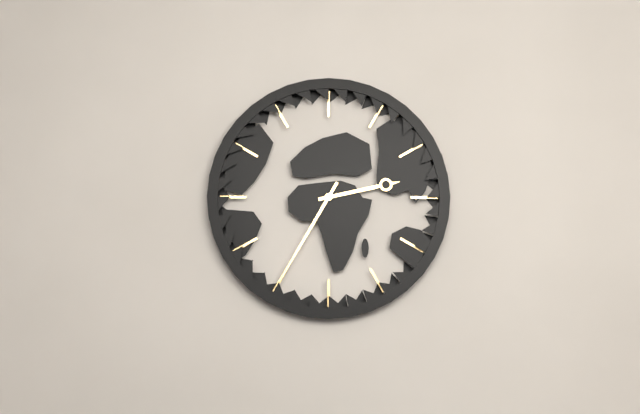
**2:35**
